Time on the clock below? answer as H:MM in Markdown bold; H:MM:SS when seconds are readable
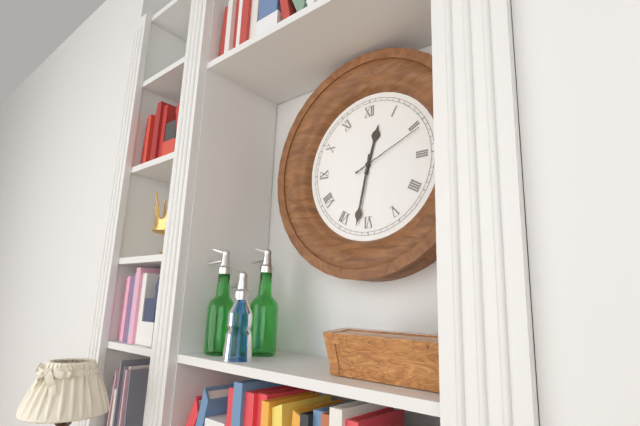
**12:32:11**
